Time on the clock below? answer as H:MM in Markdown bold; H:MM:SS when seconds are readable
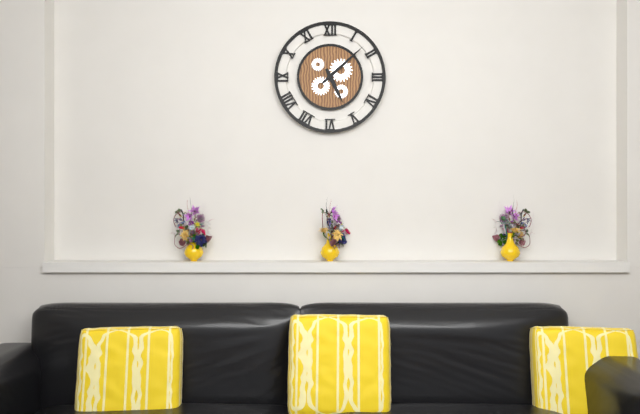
**5:08**
